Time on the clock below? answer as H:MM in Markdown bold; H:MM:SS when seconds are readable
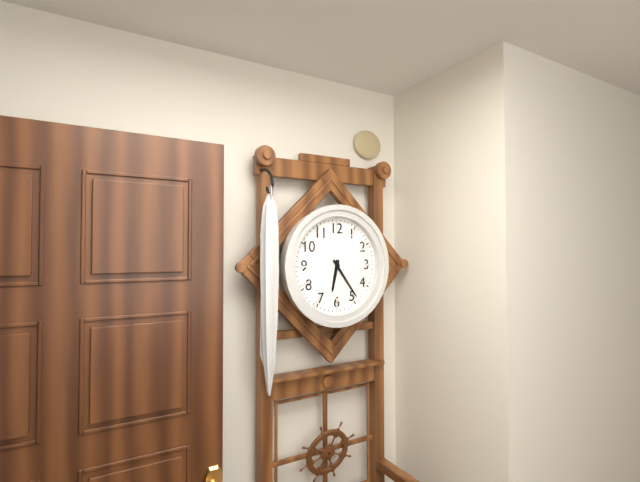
**6:24**
